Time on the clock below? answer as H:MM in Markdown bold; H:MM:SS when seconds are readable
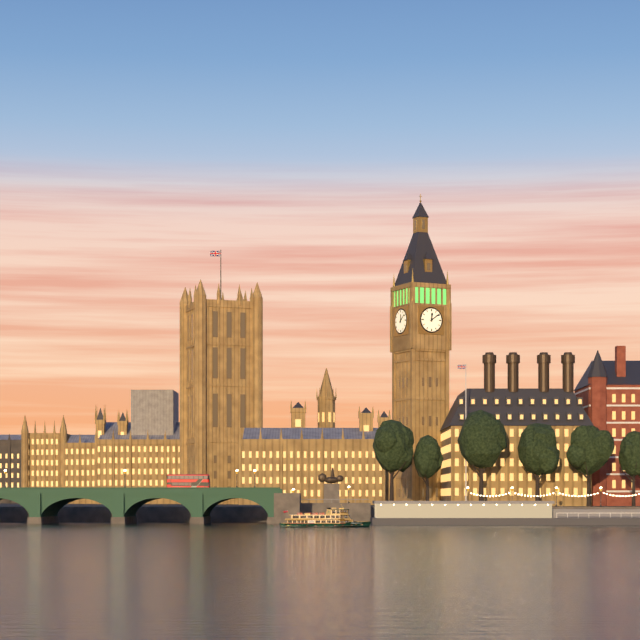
**12:09**
